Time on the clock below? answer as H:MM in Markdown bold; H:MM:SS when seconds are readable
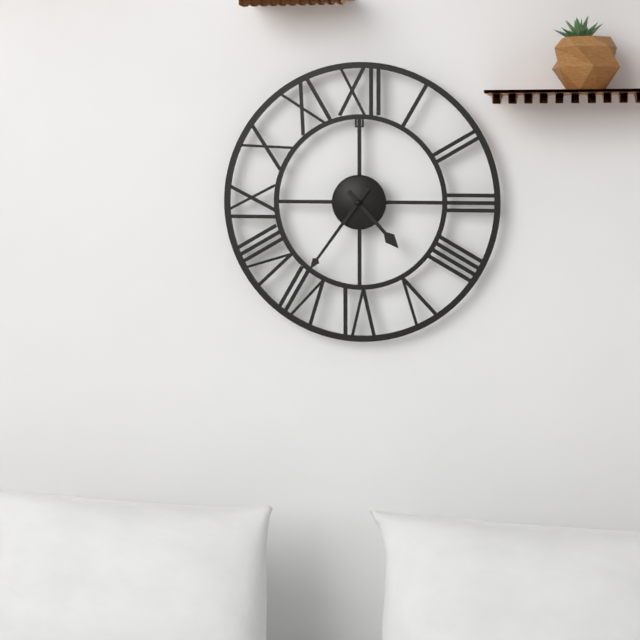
**4:36**
